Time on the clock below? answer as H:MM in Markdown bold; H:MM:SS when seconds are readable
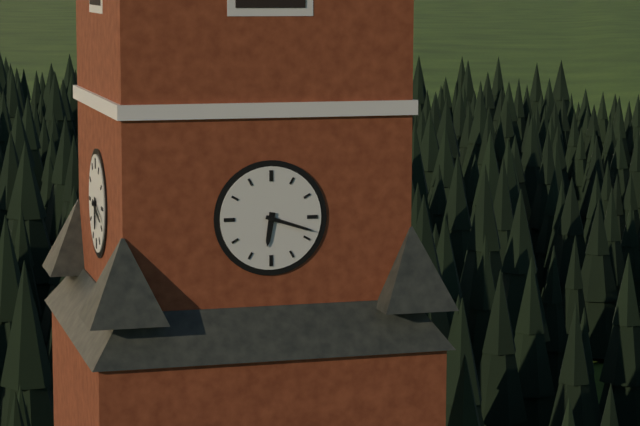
**6:18**
